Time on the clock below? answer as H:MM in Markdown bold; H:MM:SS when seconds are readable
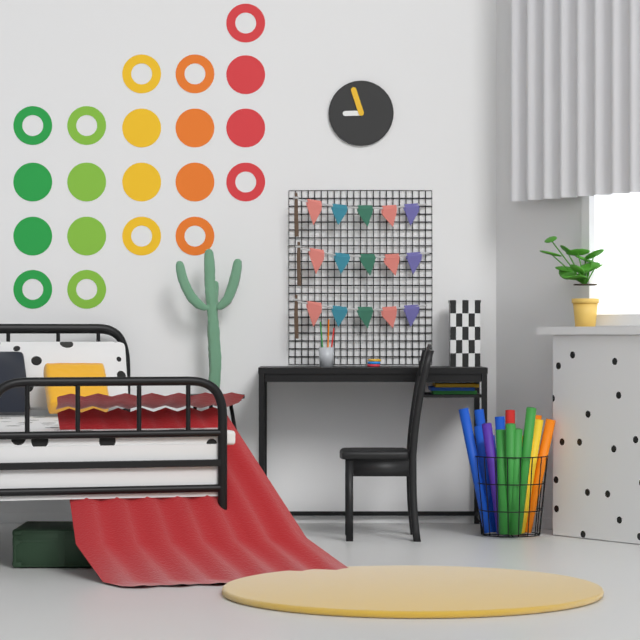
**8:57**
